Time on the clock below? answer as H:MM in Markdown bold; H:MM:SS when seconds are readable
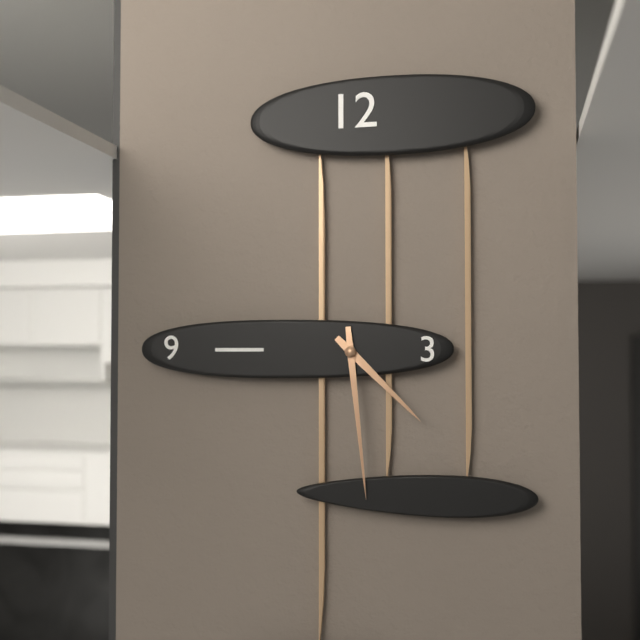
**4:29**
